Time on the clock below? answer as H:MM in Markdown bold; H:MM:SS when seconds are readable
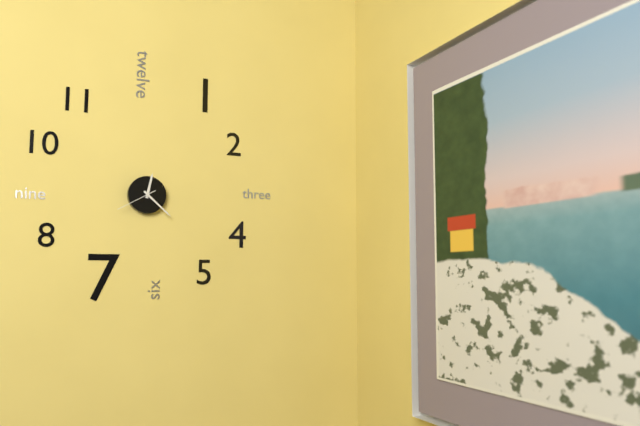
**12:22**
